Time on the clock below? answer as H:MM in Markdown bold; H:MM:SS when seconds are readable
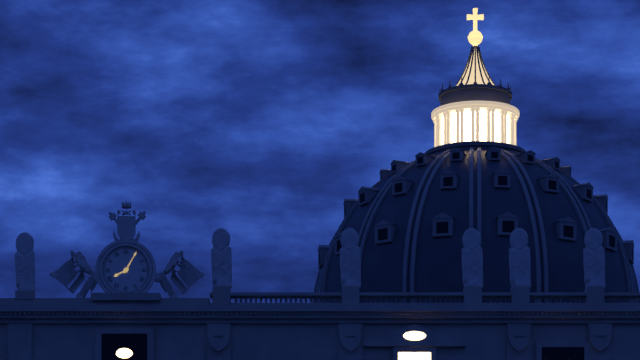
**8:05**
